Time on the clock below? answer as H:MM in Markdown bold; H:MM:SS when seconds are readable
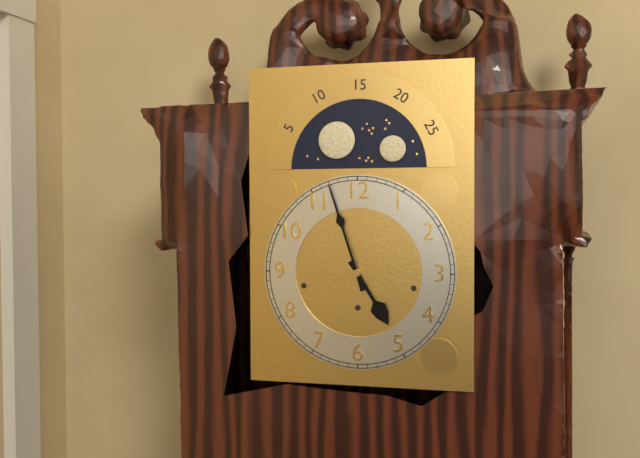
**4:57**
